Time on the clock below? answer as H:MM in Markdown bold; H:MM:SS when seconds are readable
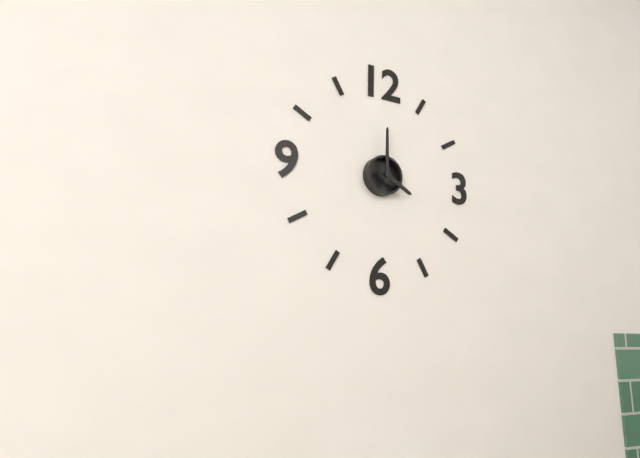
**4:00**
